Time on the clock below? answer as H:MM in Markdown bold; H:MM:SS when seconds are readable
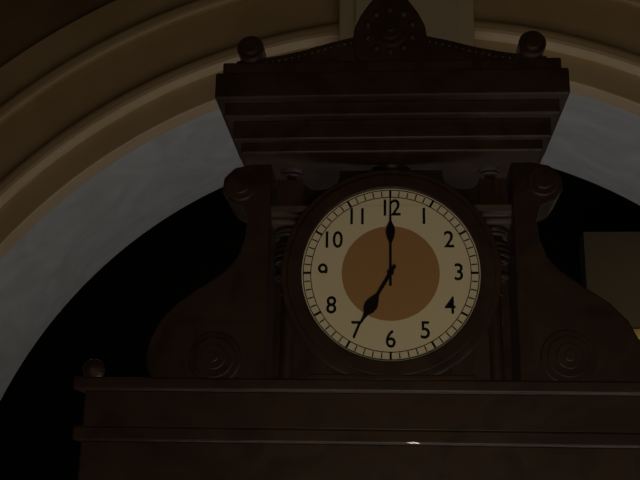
**7:00**
